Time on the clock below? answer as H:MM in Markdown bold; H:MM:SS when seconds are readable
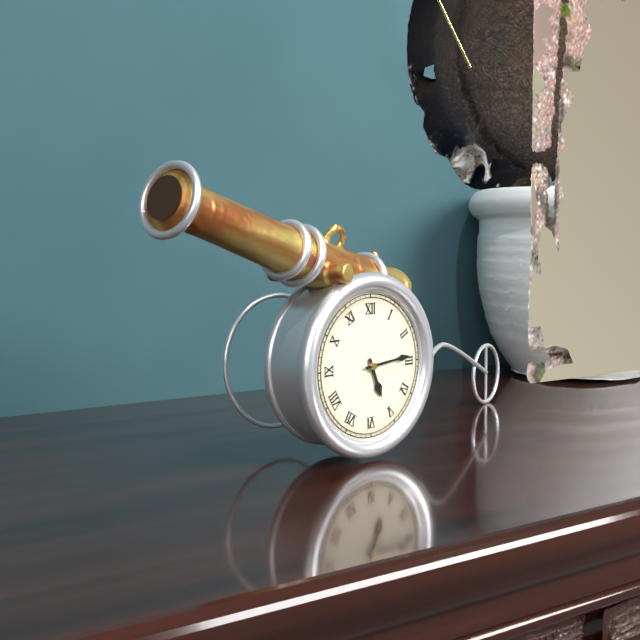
**5:14**
